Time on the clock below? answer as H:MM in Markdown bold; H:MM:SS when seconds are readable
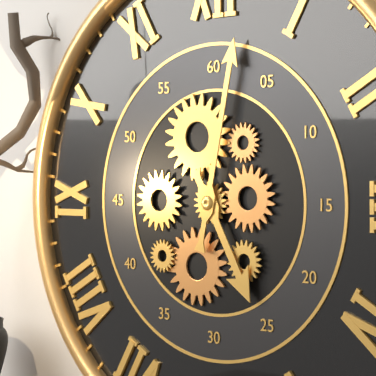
**5:02**
